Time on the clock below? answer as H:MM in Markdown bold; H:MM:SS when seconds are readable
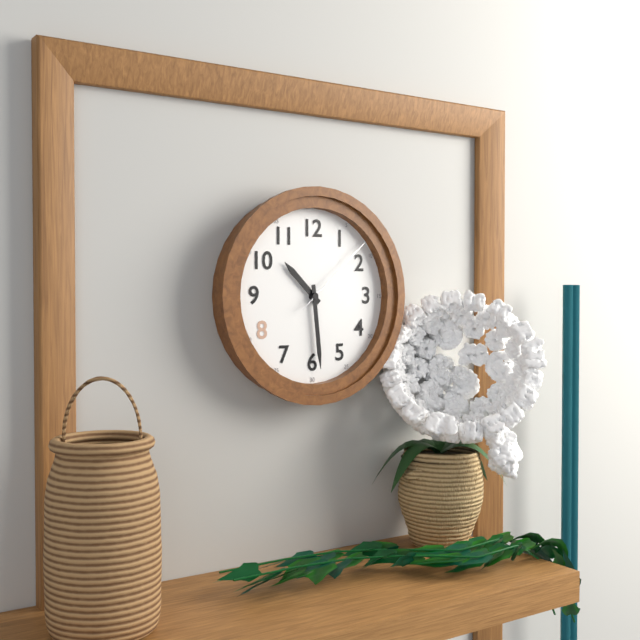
**10:29:08**
